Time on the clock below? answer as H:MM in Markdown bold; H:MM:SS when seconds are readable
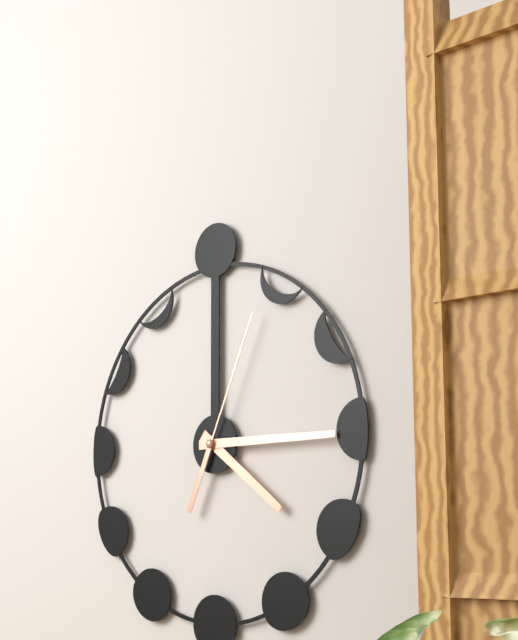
**4:15:04**
